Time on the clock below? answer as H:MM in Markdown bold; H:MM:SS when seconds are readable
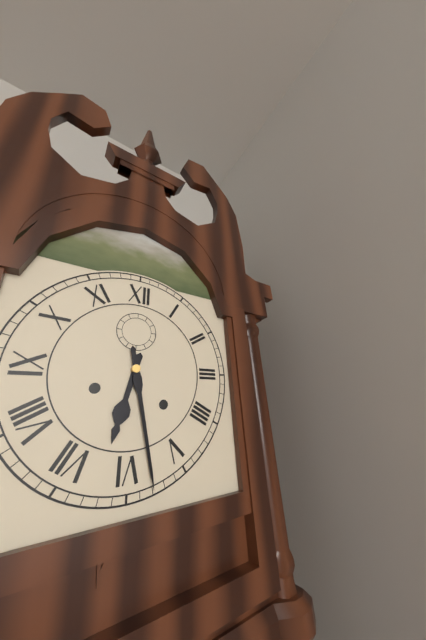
**6:28**
